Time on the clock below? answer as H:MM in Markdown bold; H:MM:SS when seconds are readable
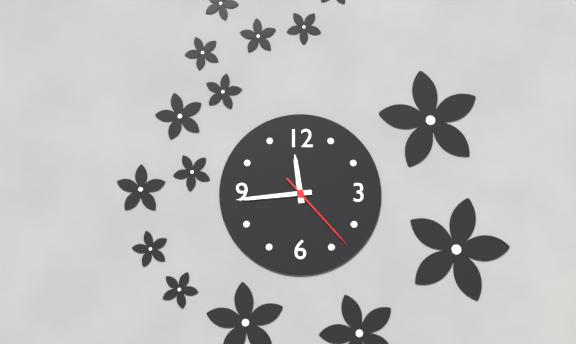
**11:44:23**
